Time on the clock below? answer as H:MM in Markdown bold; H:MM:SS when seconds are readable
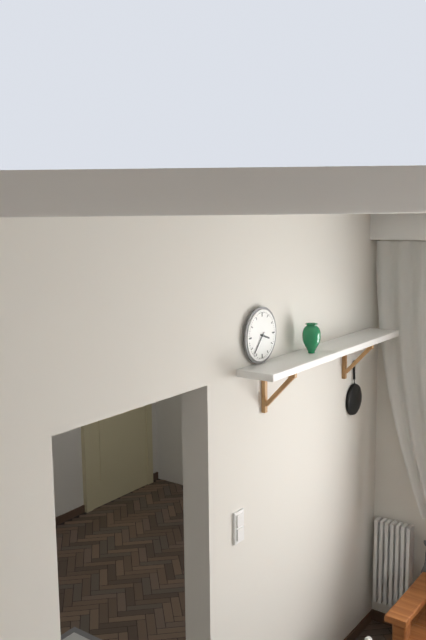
**3:37**
